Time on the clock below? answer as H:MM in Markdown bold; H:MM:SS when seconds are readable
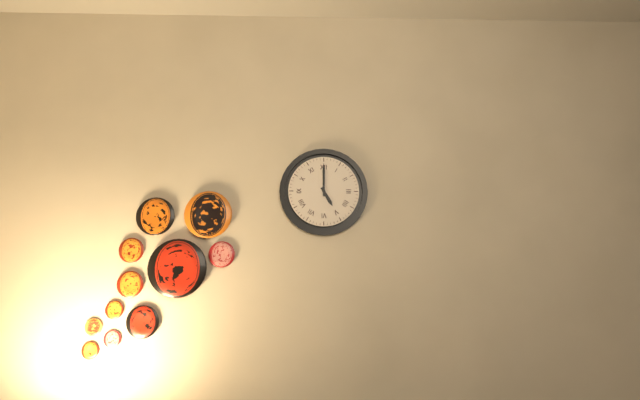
**5:00**
